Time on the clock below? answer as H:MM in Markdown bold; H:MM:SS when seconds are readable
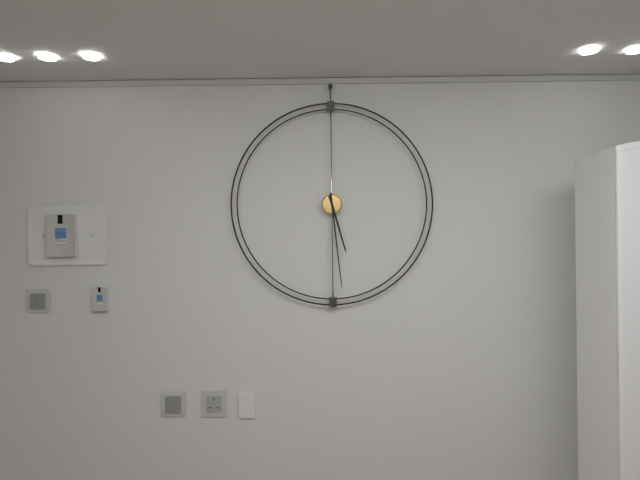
**5:29**
